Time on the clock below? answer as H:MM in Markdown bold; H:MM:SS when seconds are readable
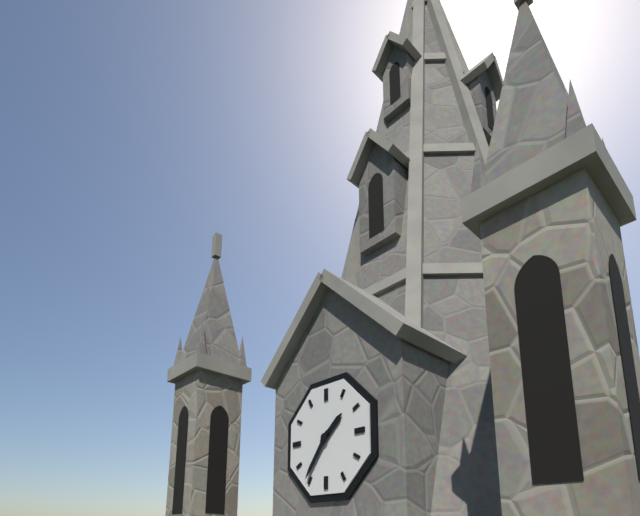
**1:36**
